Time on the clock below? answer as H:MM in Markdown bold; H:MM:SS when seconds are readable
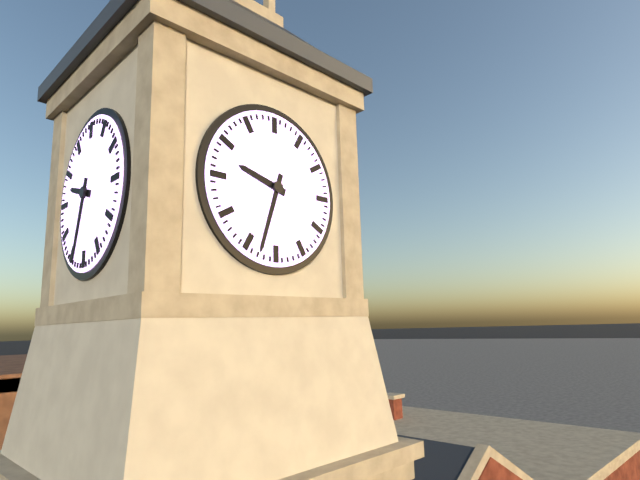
**9:33**
